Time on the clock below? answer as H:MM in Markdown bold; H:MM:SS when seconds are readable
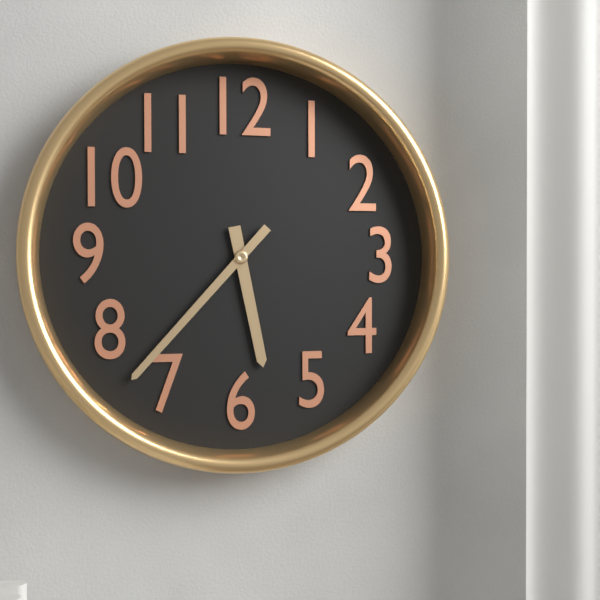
**5:37**
